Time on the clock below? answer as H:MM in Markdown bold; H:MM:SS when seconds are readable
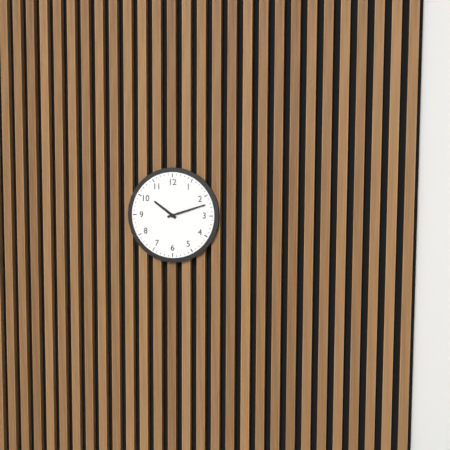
**10:12**
